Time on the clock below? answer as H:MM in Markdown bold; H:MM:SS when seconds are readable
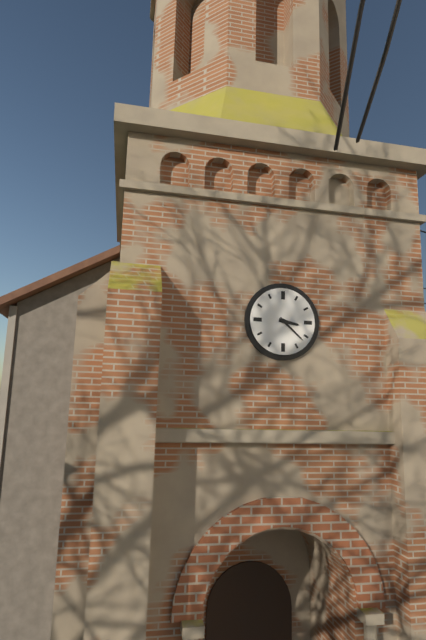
**3:22**
